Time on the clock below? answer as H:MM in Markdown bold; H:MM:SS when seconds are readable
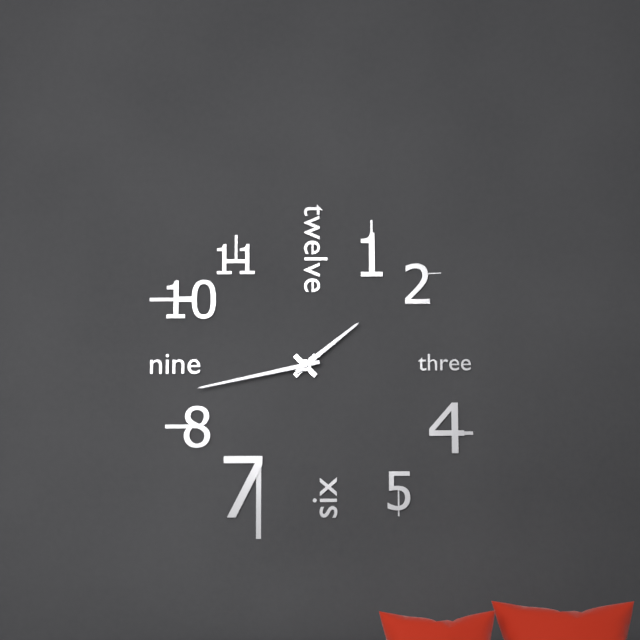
**1:43**
